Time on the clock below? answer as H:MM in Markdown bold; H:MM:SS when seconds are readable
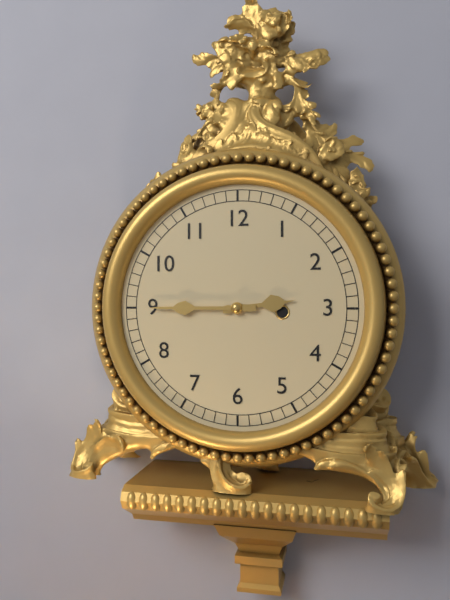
**2:45**
